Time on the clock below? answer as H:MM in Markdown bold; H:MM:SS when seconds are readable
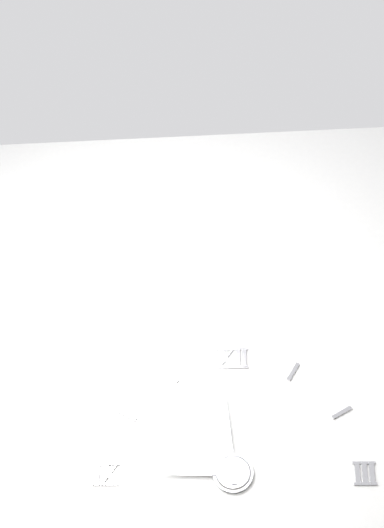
**8:59**
